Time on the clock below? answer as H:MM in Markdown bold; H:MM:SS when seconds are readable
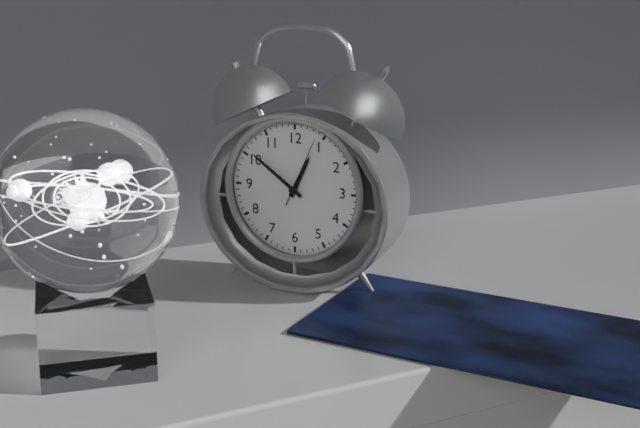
**12:51:04**
